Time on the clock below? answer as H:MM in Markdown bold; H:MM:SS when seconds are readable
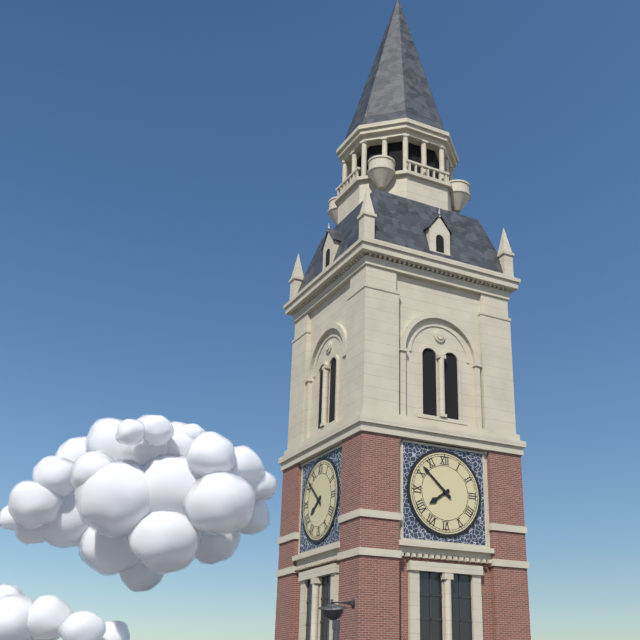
**7:52**
